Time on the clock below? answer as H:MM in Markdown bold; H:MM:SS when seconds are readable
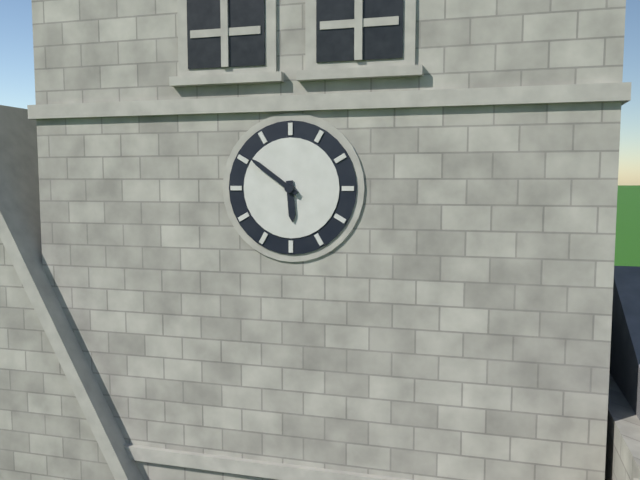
**5:51**
